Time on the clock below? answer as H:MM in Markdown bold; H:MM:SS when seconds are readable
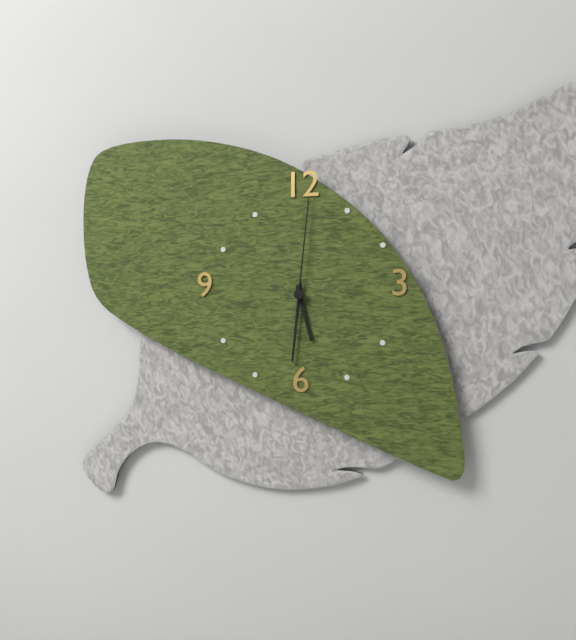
**5:31:01**
